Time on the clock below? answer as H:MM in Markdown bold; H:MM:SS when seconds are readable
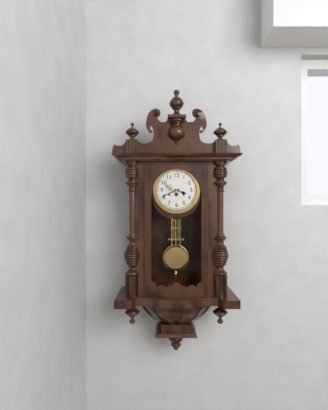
**3:41**
